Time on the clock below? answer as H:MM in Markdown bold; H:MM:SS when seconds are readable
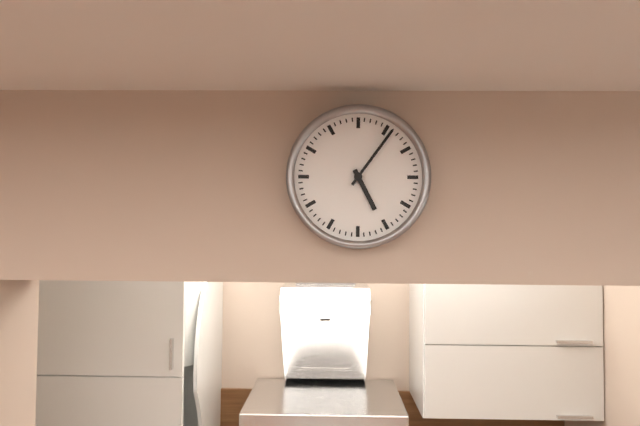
**5:06**
